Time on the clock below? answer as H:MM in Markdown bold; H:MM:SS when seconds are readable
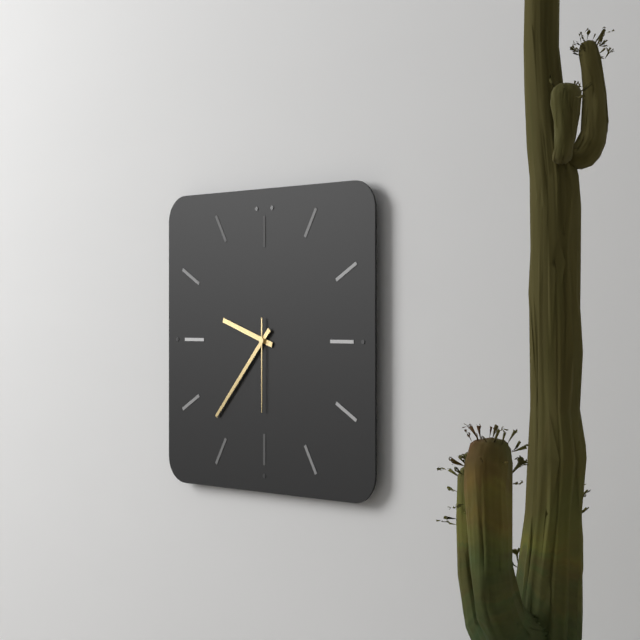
**9:37:30**
